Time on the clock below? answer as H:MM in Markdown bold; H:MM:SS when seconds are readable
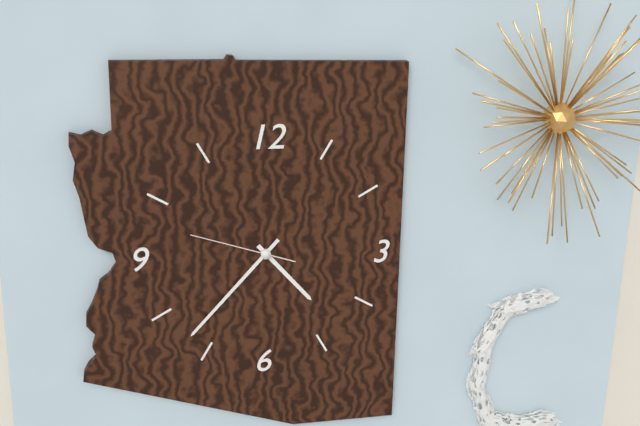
**4:37:48**
